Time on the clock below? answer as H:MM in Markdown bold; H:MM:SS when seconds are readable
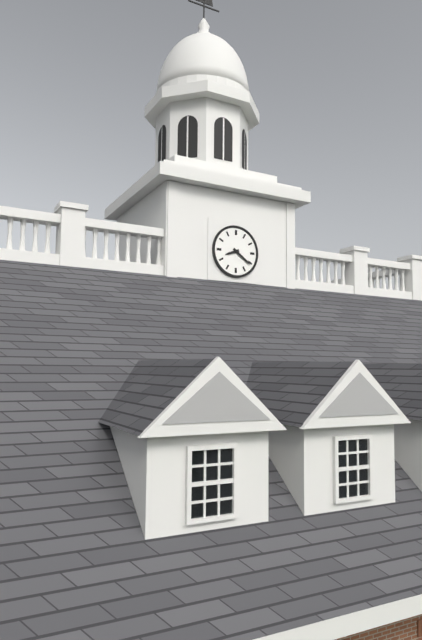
**8:21**
